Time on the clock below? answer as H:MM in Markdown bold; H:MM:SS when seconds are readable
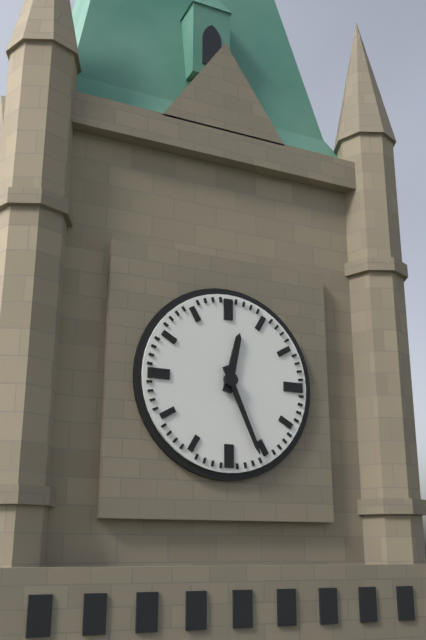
**12:26**
